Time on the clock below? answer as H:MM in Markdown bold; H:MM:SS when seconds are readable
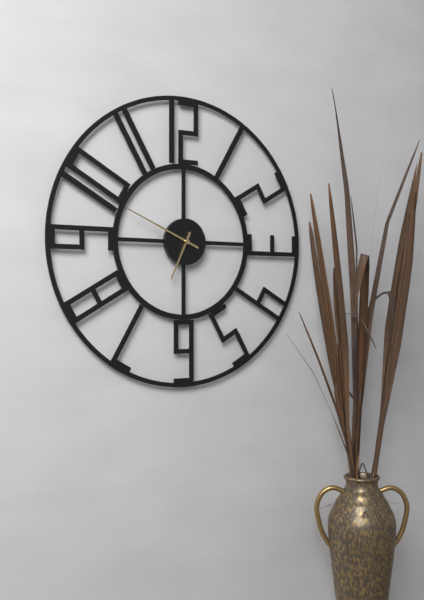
**6:49**
